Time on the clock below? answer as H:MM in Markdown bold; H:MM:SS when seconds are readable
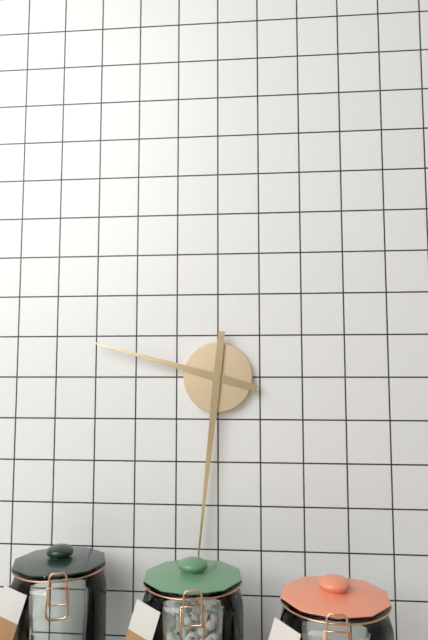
**9:31**
